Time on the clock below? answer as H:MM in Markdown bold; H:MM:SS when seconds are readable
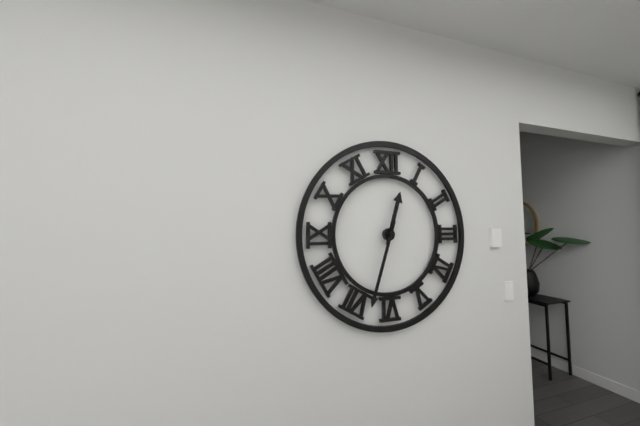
**12:33**
